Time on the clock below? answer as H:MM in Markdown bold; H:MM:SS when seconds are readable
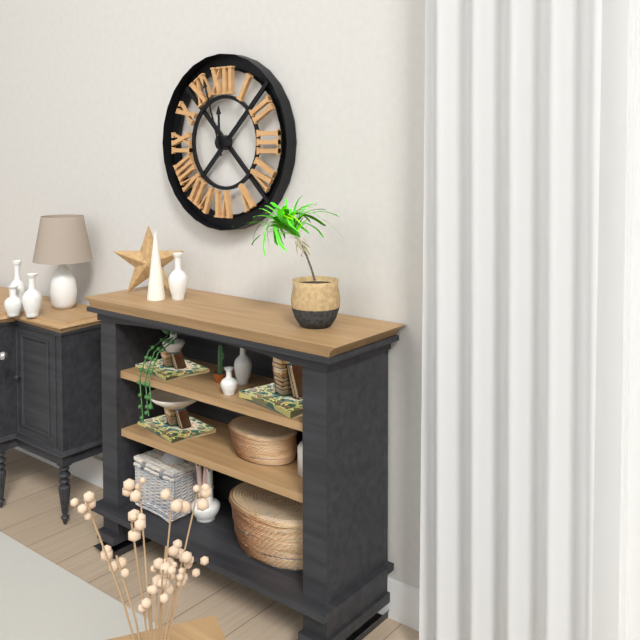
**11:57**
